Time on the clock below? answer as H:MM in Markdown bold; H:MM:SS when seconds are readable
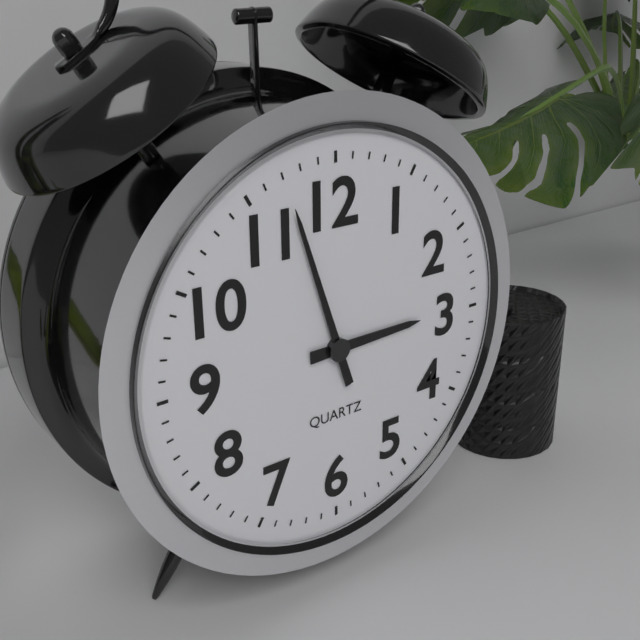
**2:57**
